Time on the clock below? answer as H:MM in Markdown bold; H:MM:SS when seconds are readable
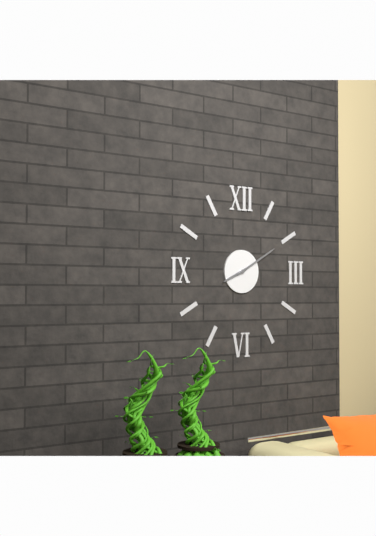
**8:10**
